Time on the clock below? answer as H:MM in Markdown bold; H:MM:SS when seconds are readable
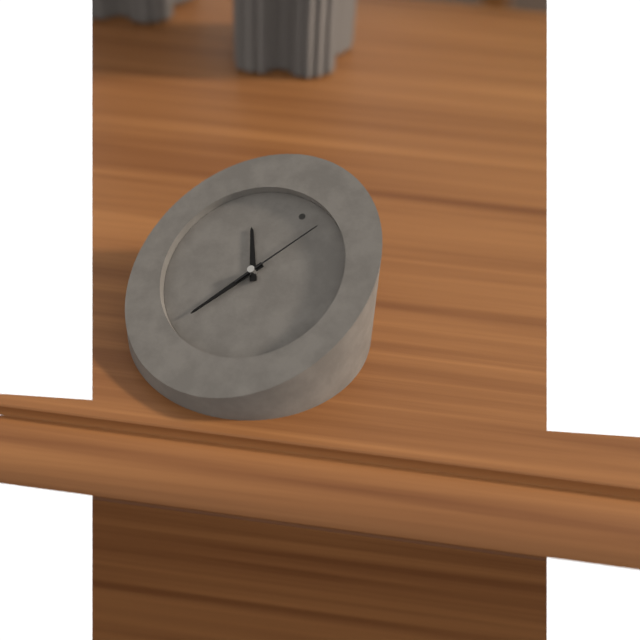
**10:33:03**
